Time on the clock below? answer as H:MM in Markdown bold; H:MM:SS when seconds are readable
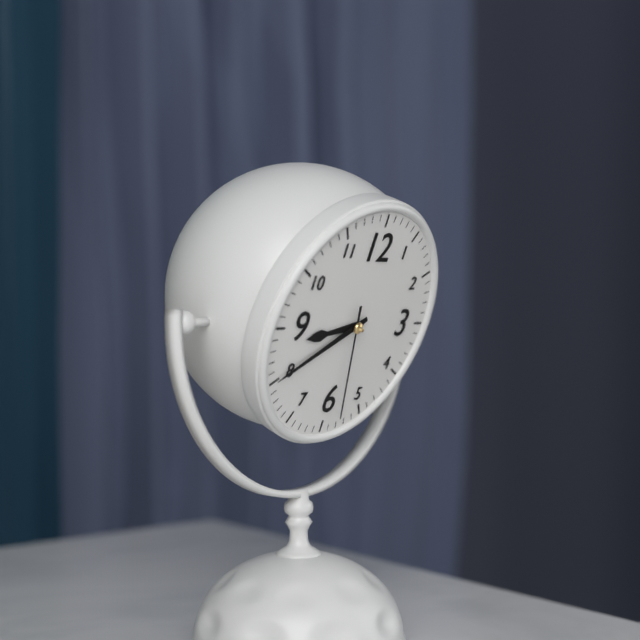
**8:40:28**
